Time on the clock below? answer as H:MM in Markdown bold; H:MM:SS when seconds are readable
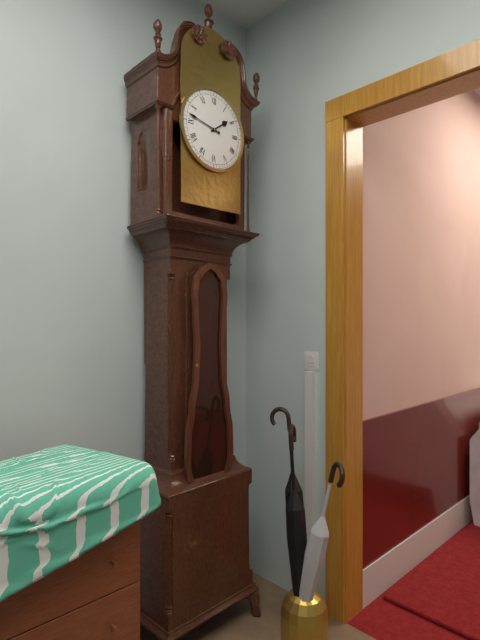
**1:47**
